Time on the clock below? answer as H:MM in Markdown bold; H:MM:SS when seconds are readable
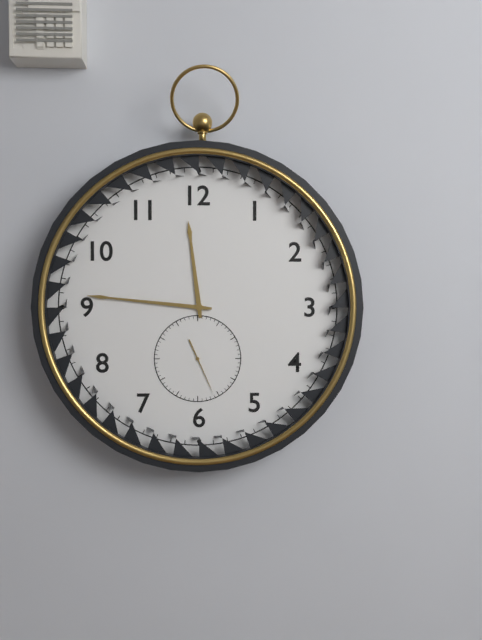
**11:46**
